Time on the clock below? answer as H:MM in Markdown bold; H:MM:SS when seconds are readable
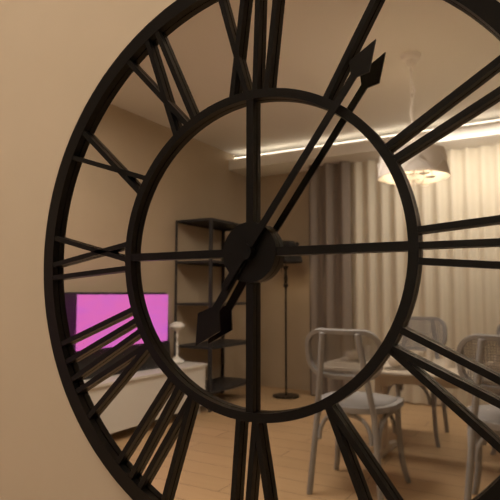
**7:06**
